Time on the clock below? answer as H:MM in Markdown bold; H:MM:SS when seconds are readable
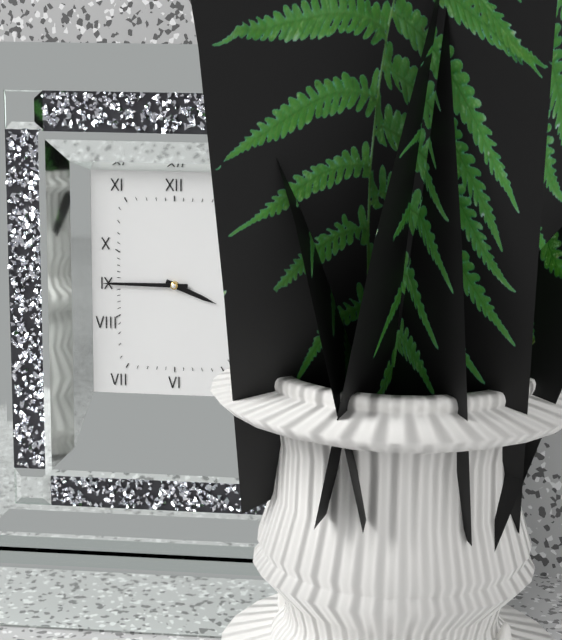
**3:45**
